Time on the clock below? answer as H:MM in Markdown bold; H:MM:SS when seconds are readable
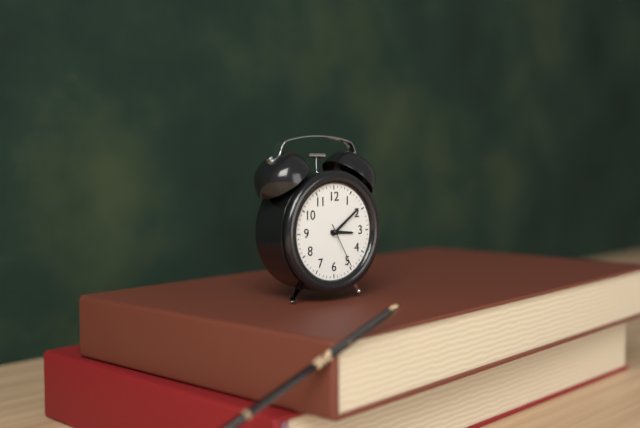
**3:09**
